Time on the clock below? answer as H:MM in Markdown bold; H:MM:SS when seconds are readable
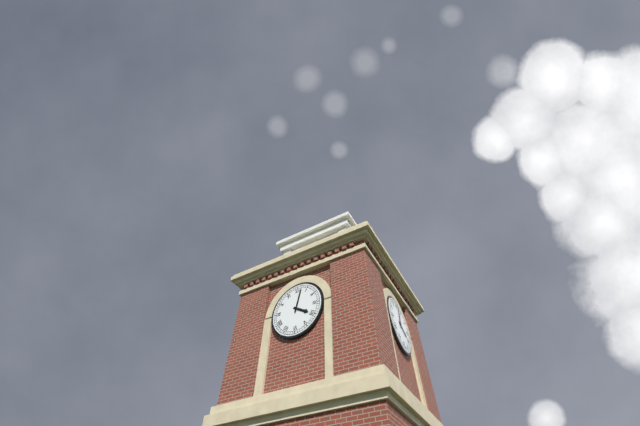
**4:02**
